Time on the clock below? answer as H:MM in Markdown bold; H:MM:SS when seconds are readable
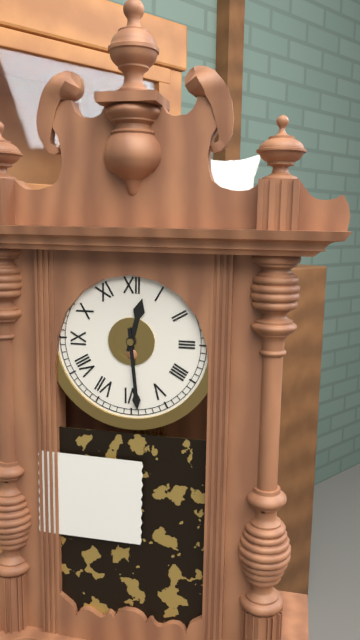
**12:29**
